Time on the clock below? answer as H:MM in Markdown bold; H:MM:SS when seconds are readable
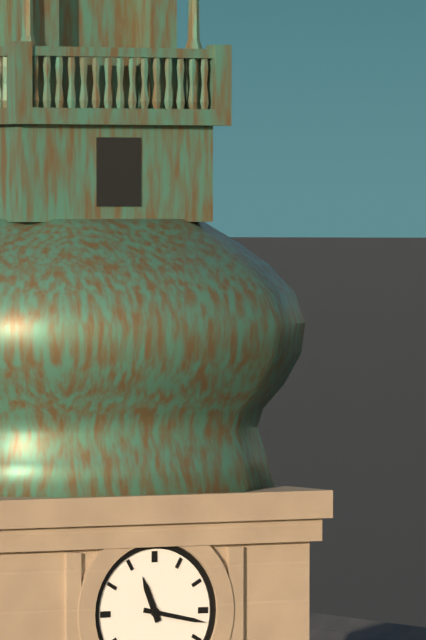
**11:17**
